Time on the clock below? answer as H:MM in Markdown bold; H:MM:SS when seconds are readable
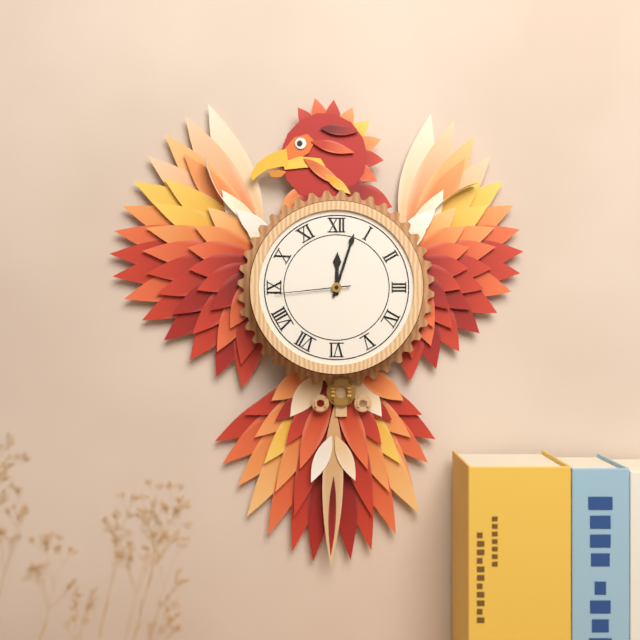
**12:03:44**
